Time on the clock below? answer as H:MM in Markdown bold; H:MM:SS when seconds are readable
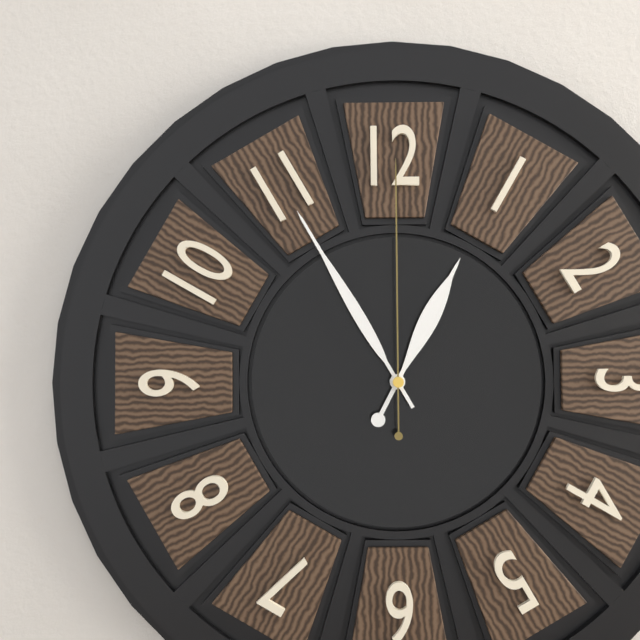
**12:55:00**
